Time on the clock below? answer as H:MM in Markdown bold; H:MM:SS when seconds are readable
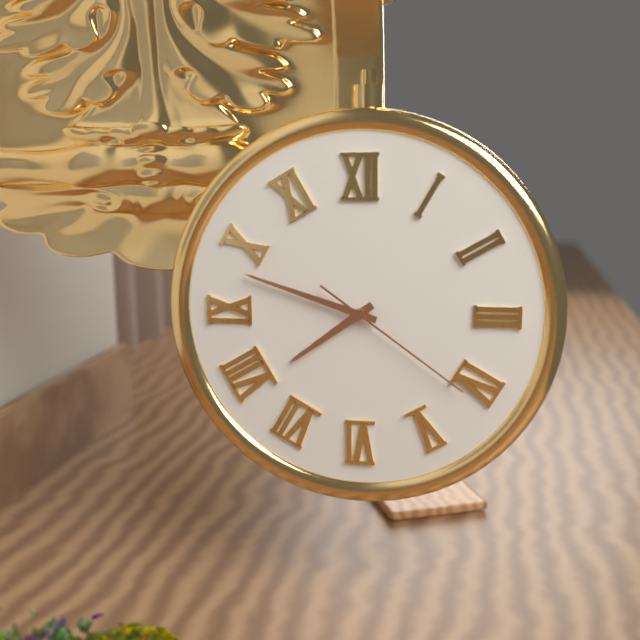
**7:48:21**
